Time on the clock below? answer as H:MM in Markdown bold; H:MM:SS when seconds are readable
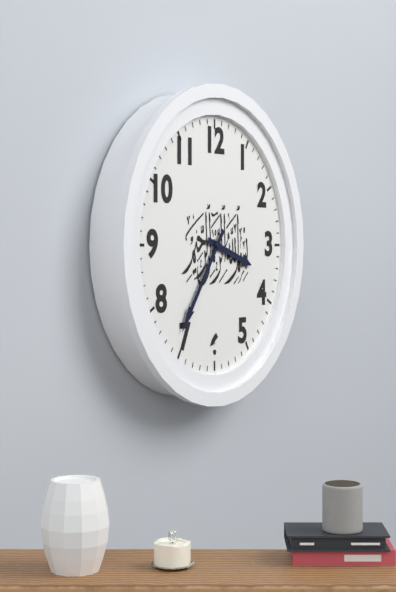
**3:36**
